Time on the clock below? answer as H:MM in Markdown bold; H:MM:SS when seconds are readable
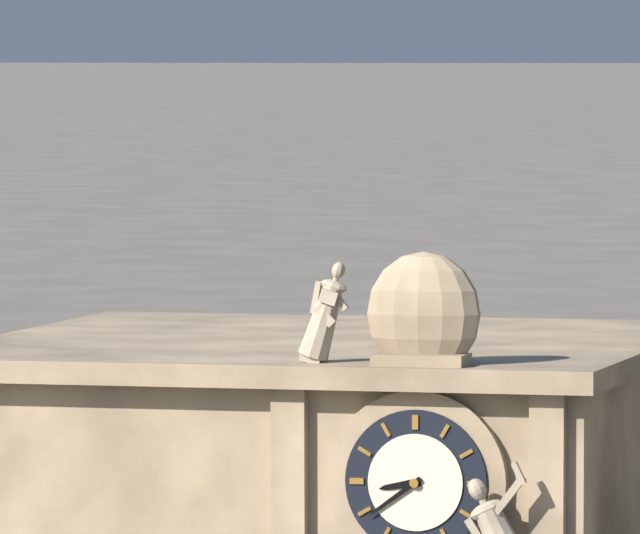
**8:39**
